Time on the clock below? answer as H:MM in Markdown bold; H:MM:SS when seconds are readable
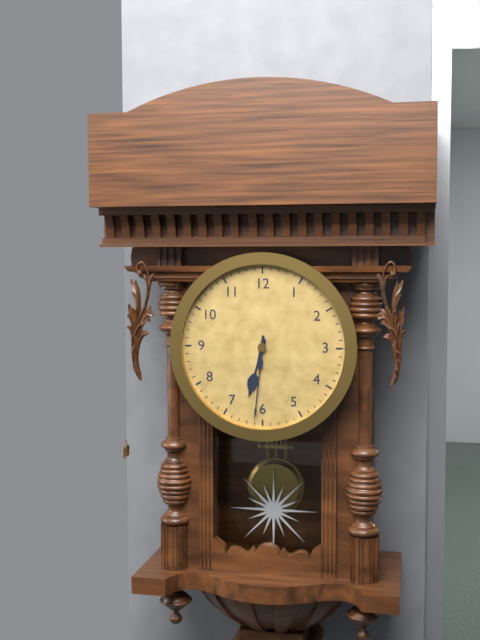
**6:31**
